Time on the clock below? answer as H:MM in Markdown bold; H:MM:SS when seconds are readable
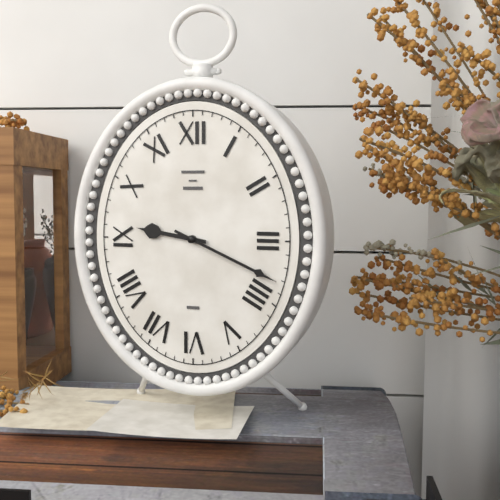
**9:19**
